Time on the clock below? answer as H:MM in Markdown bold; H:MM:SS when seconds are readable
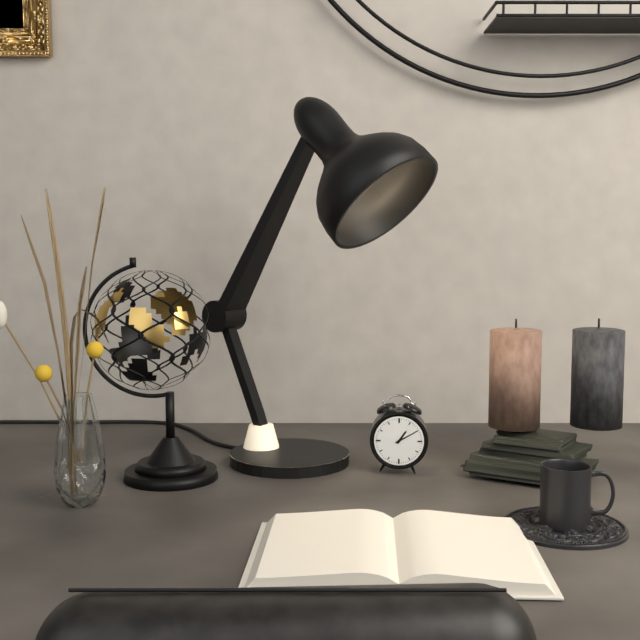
**1:10**
